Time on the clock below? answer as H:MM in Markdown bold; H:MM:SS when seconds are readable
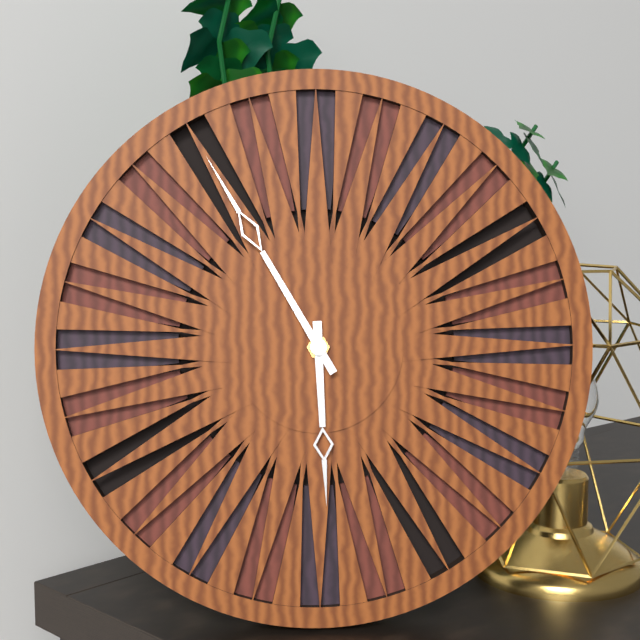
**5:55**
